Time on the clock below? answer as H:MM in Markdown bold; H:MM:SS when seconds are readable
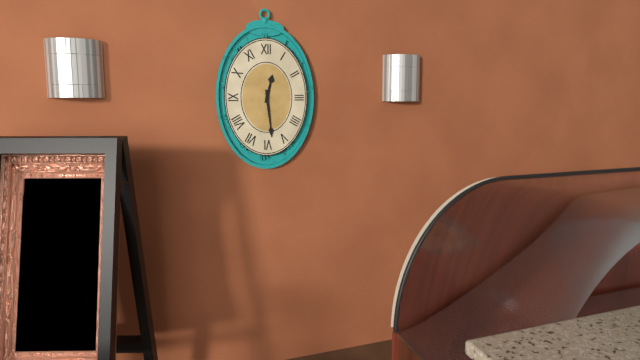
**12:29**
